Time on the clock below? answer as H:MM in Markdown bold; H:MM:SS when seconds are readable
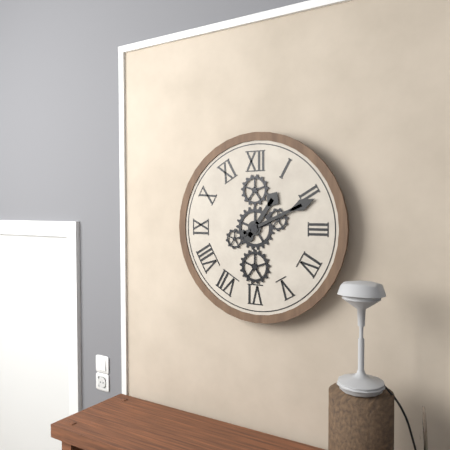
**1:11**
